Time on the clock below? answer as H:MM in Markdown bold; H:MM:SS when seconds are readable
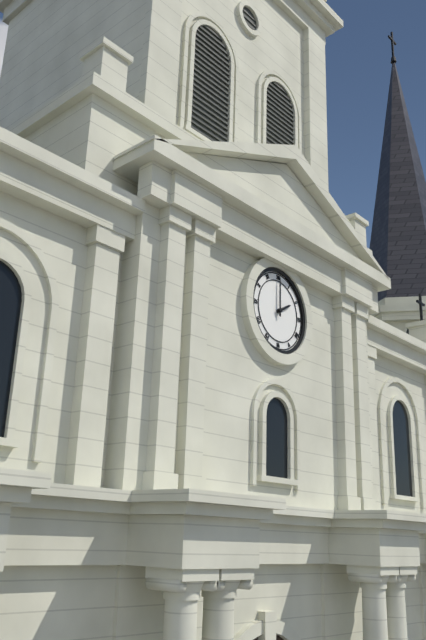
**2:00**
